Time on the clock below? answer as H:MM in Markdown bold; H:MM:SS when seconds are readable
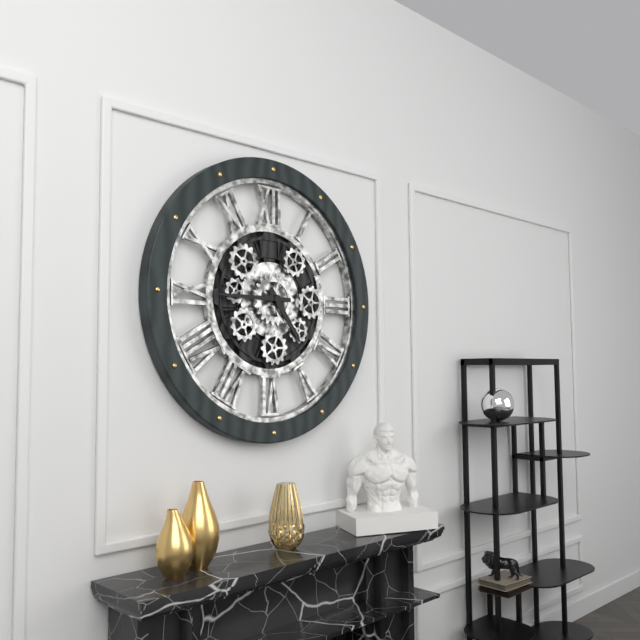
**4:45**
